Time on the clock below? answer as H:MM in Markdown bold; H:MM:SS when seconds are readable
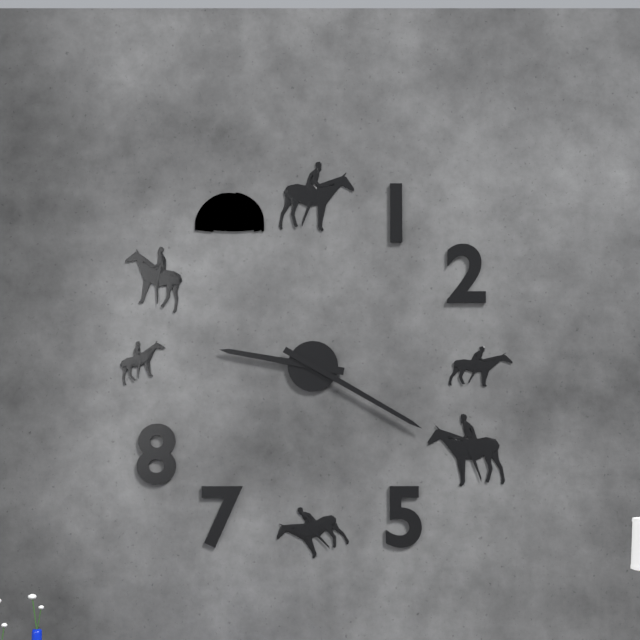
**9:20**
